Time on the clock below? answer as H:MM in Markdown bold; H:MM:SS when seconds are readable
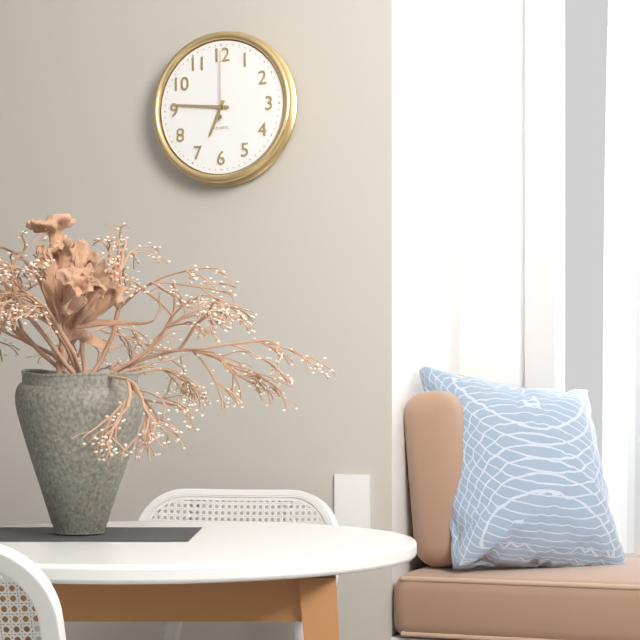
**6:46:00**
